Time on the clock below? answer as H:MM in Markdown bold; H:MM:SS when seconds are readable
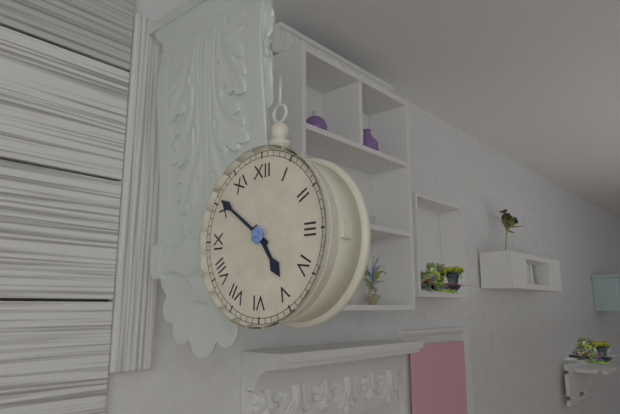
**4:51**
